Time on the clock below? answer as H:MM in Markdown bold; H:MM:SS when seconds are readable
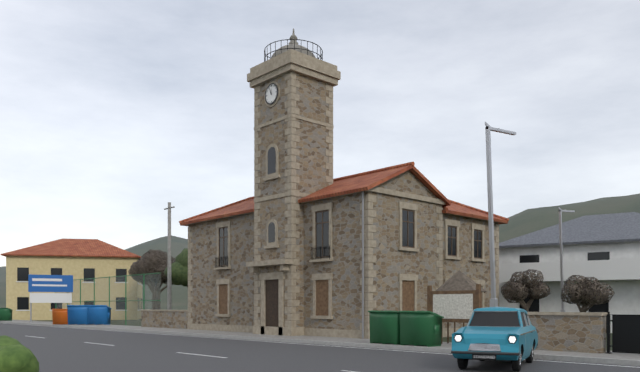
**11:56**
